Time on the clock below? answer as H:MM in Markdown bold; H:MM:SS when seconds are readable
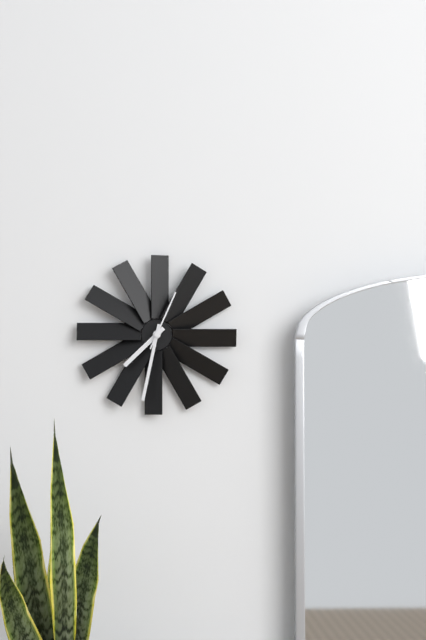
**7:32:04**
